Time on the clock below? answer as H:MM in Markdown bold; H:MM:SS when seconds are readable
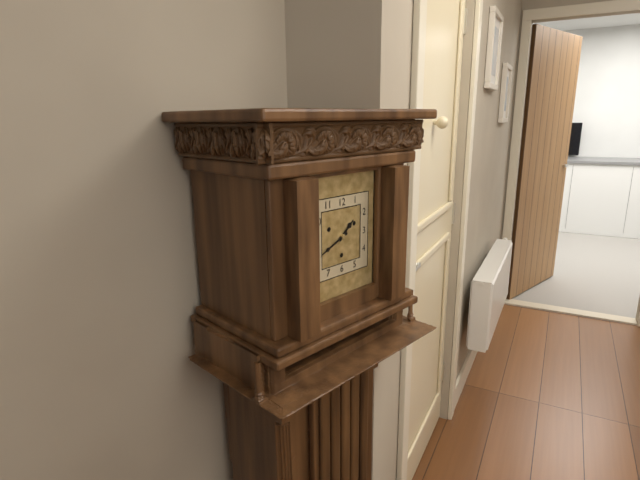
**1:41**
